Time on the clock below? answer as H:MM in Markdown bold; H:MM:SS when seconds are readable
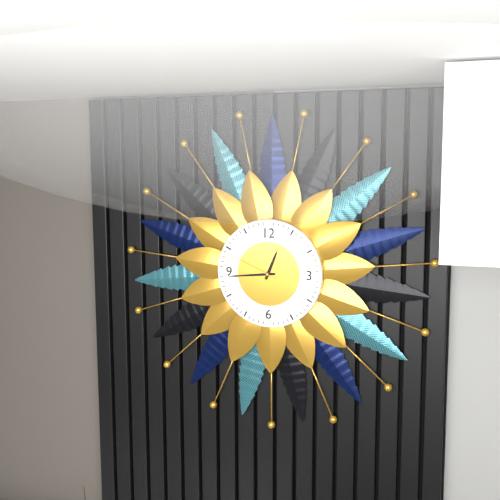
**12:44:49**
